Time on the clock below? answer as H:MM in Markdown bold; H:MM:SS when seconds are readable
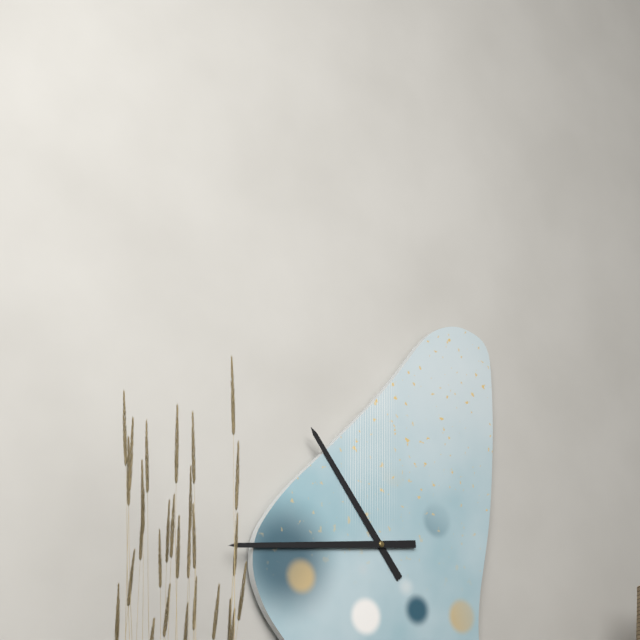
**10:44**
